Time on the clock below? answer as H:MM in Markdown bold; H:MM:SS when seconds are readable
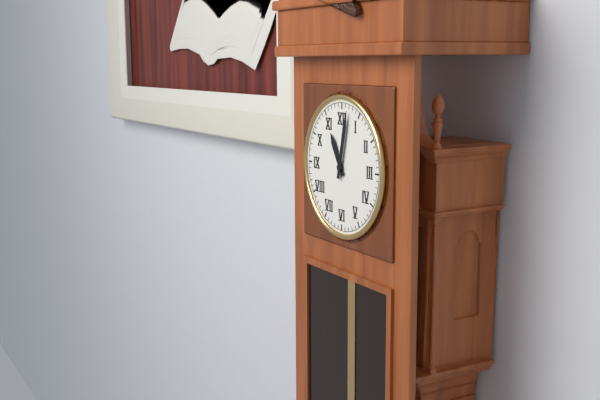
**11:02**
